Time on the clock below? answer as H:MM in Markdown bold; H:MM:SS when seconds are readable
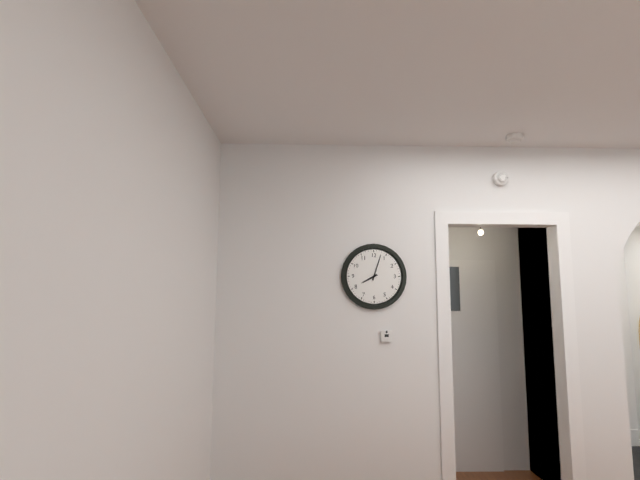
**8:03**
